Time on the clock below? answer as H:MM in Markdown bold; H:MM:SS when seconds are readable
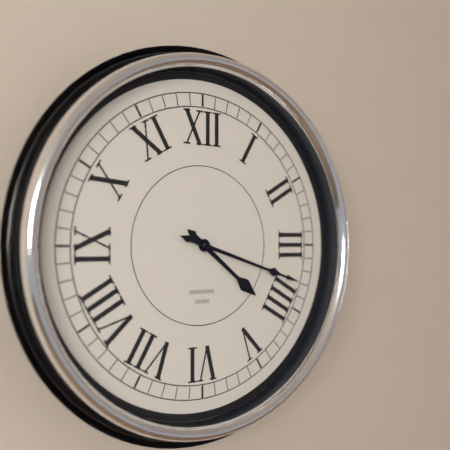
**4:18**
